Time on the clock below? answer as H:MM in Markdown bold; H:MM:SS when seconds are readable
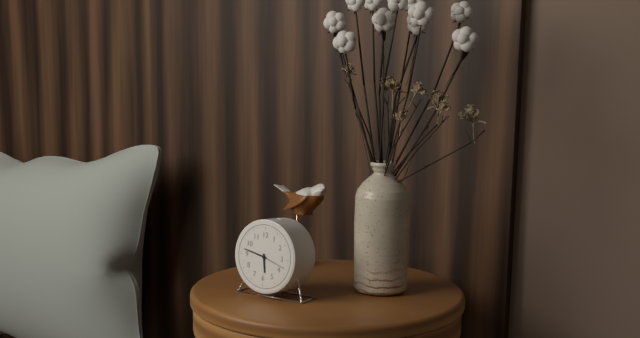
**5:47**
